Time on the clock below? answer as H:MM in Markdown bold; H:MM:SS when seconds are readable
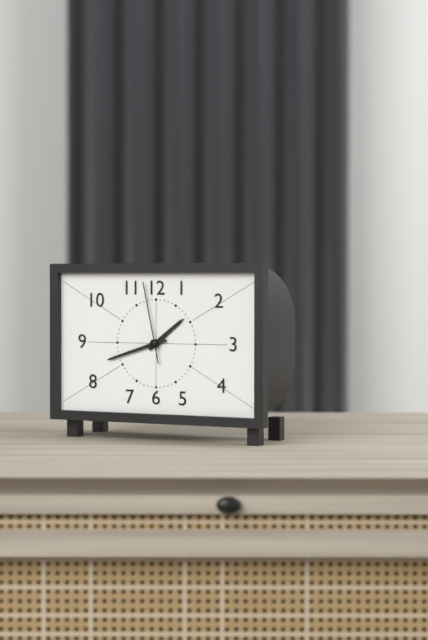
**1:42:58**
